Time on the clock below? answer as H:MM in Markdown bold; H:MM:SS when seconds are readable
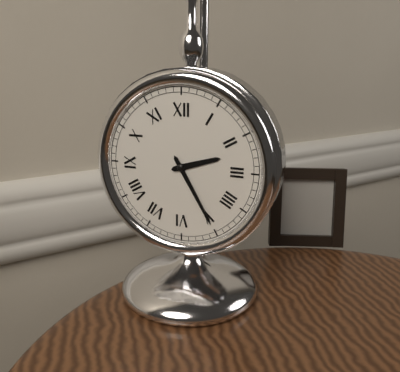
**2:25**
